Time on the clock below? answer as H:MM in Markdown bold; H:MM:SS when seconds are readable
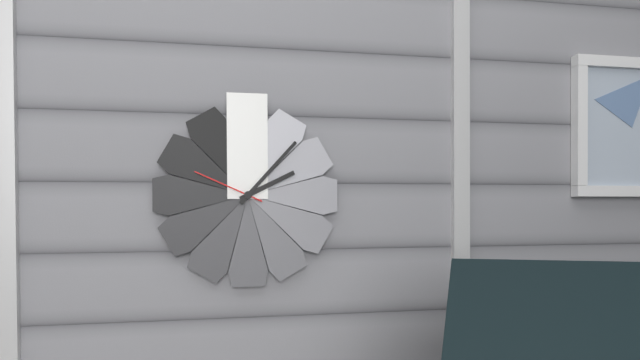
**2:07:49**
